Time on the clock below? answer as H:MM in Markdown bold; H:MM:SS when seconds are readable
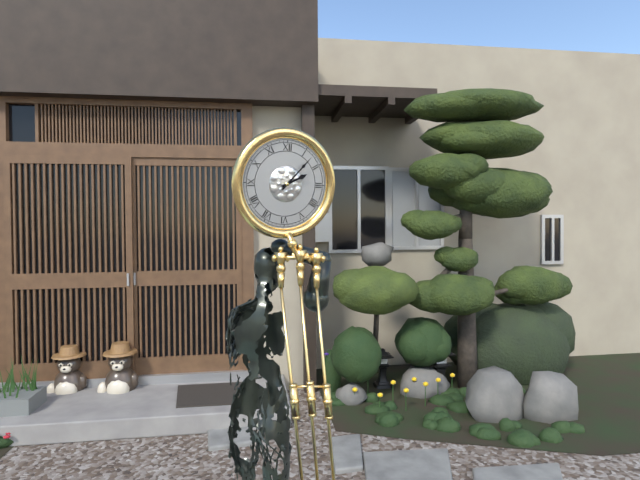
**2:07**
